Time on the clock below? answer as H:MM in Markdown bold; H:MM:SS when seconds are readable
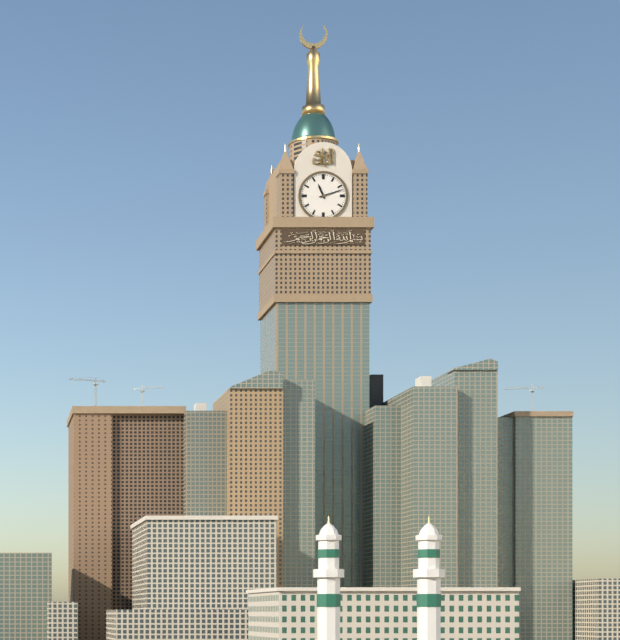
**11:12**
